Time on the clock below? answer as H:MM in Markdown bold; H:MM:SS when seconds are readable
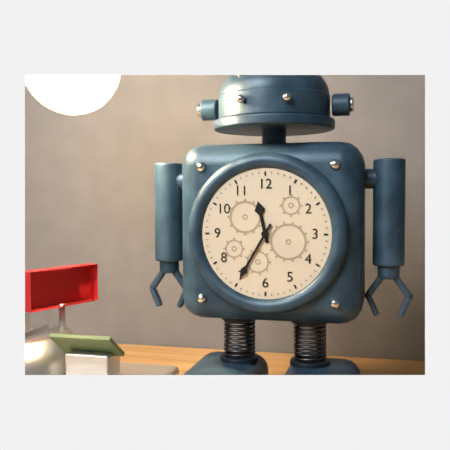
**11:35**
